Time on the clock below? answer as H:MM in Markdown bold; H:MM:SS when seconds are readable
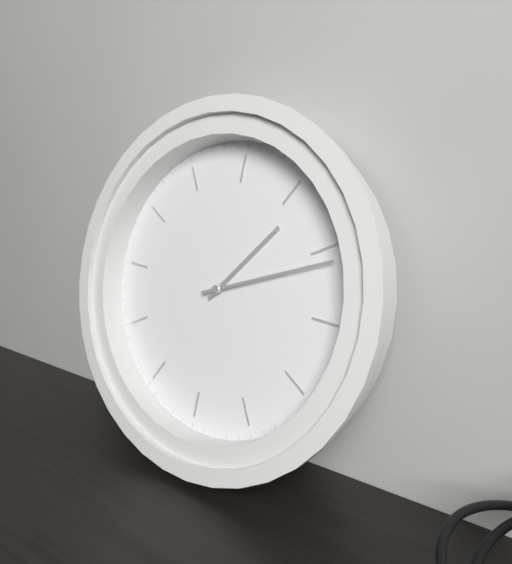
**2:16**
